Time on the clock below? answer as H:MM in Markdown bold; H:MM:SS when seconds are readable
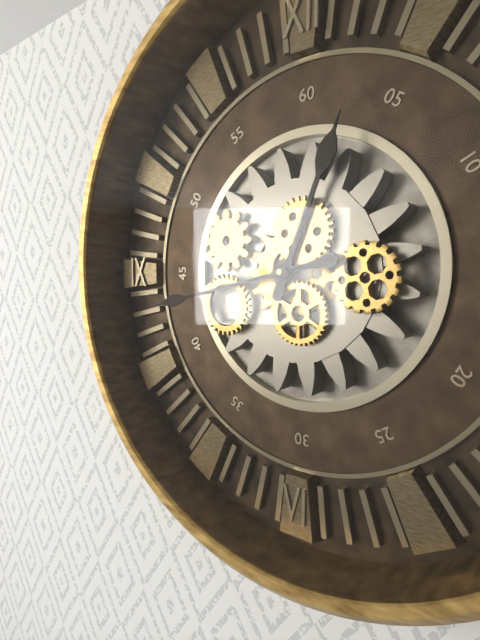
**12:43**
